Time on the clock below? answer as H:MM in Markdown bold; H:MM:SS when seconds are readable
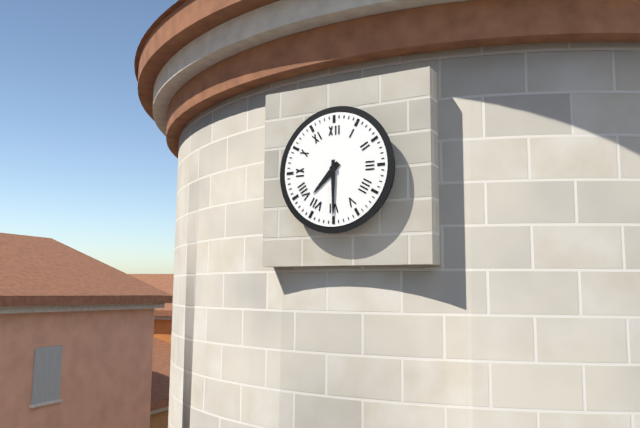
**7:30**
